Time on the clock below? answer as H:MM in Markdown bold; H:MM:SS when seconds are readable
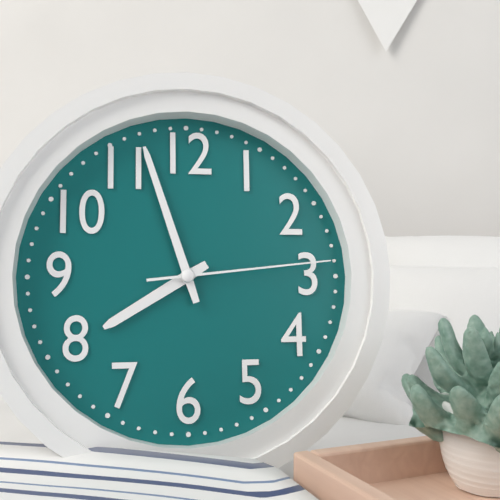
**7:57:14**
